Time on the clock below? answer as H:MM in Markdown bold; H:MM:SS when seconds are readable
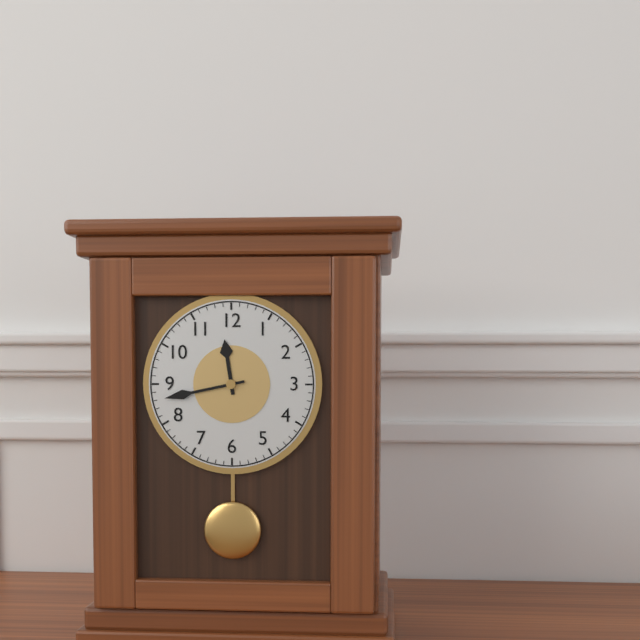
**11:43**
